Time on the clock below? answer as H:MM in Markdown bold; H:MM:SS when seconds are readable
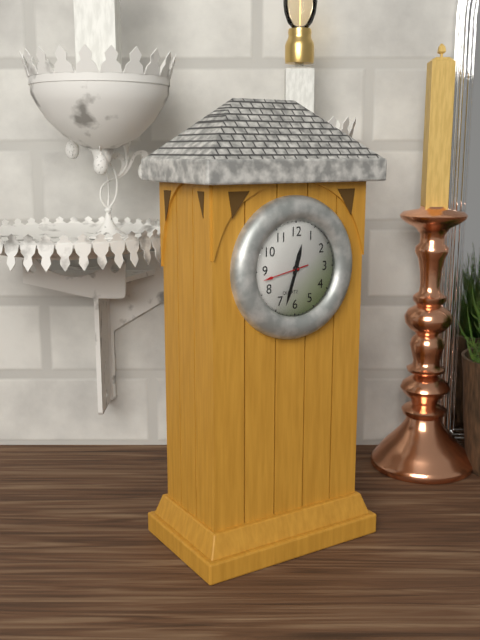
**12:33**
